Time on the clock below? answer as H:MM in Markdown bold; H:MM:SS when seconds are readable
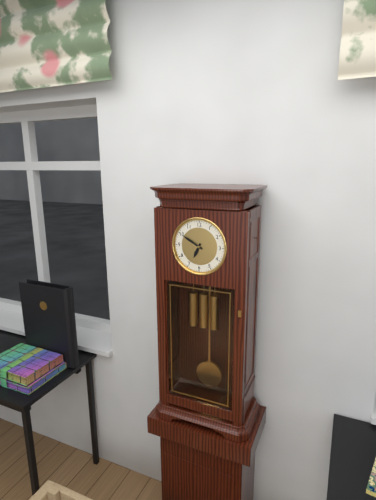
**6:50**
